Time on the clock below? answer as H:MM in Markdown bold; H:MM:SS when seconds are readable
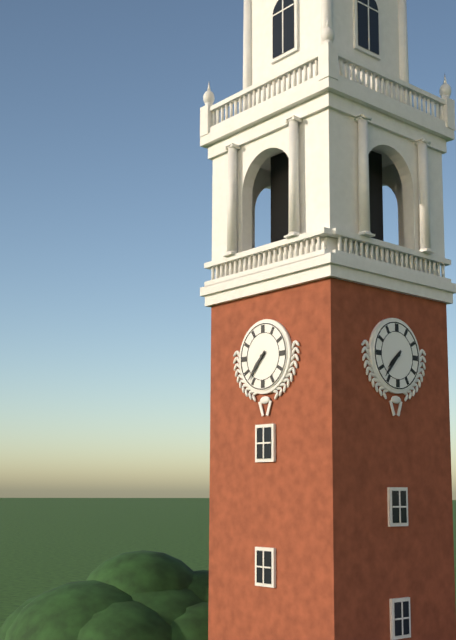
**7:37**
